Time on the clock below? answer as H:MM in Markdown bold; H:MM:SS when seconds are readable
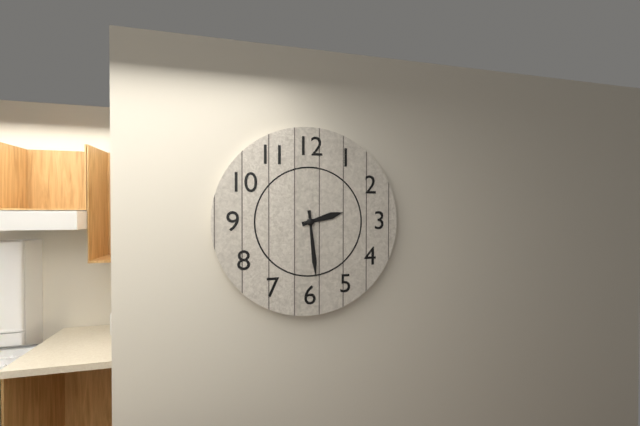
**2:29**
